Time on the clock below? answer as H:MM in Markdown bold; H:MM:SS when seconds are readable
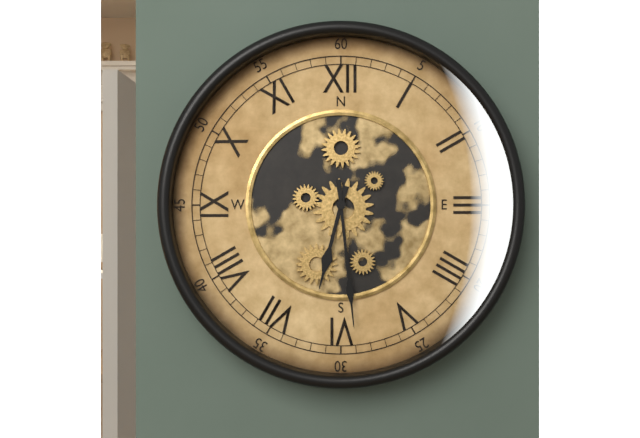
**6:29**
